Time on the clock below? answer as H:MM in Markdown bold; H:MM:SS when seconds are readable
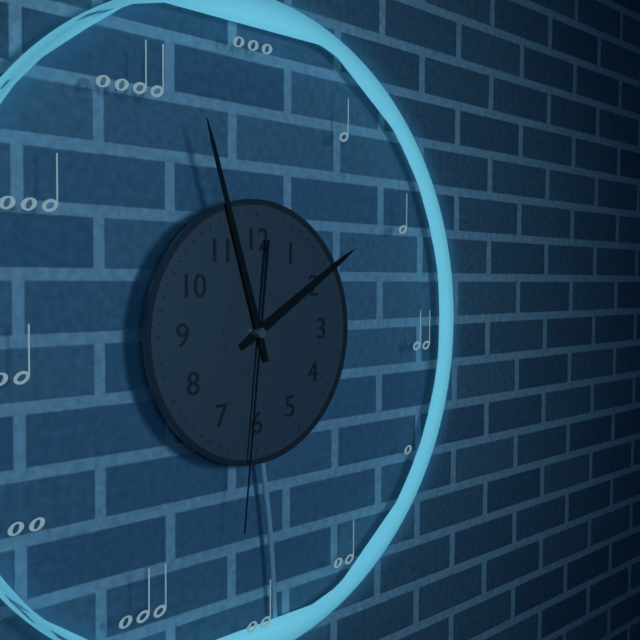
**1:57:31**
